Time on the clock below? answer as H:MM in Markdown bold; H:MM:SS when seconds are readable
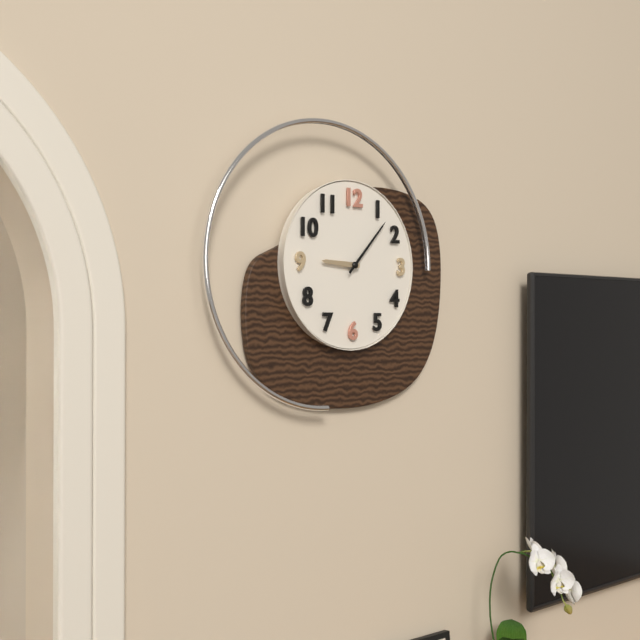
**9:07**
